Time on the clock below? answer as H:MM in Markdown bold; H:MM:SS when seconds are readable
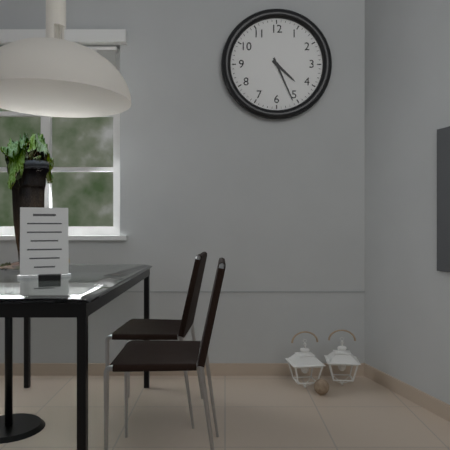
**4:26**
